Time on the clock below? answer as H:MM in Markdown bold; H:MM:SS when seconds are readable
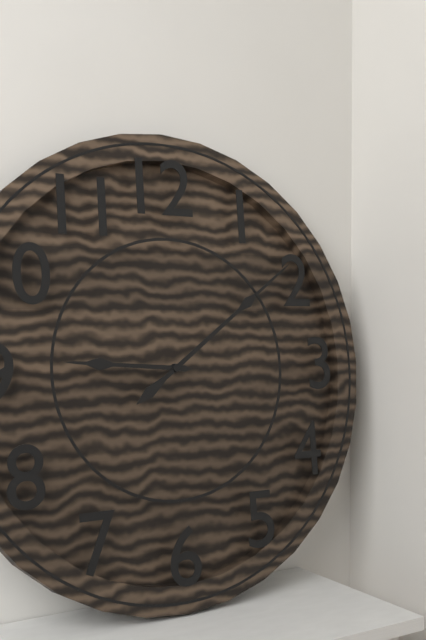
**9:09**
